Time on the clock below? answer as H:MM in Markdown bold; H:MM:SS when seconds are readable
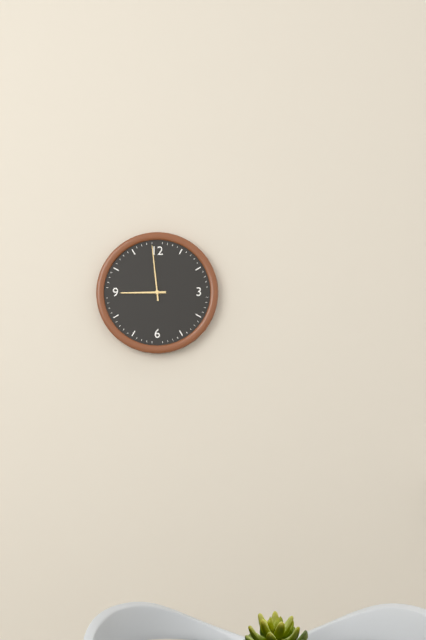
**8:59**
